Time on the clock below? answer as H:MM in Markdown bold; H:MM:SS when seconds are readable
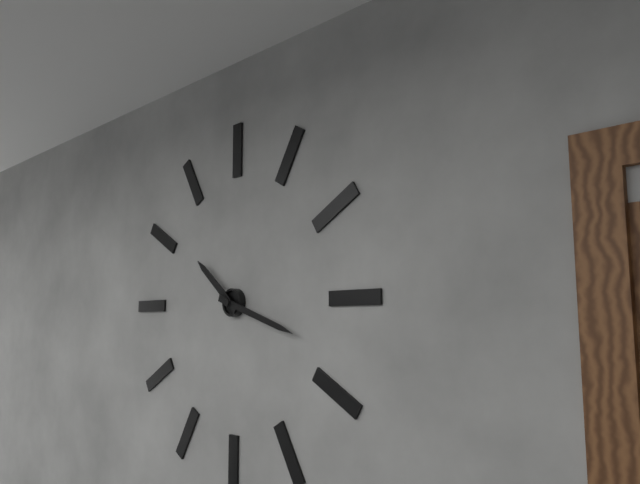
**10:18**
